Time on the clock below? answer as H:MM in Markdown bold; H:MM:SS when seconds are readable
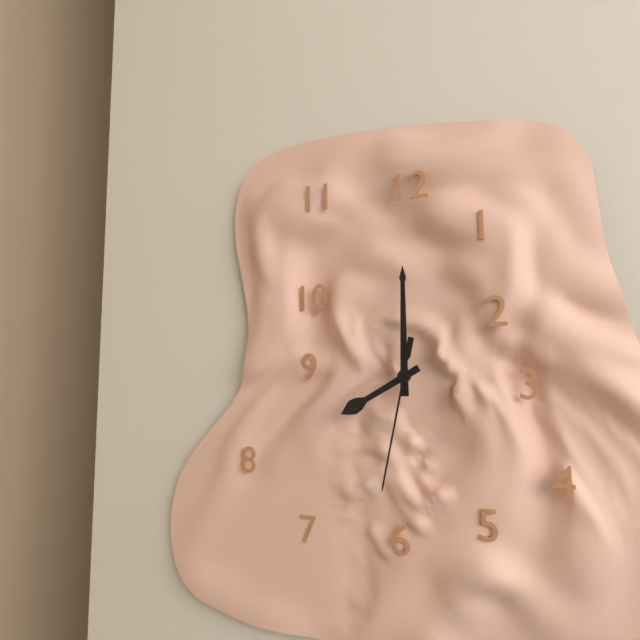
**8:00:32**
